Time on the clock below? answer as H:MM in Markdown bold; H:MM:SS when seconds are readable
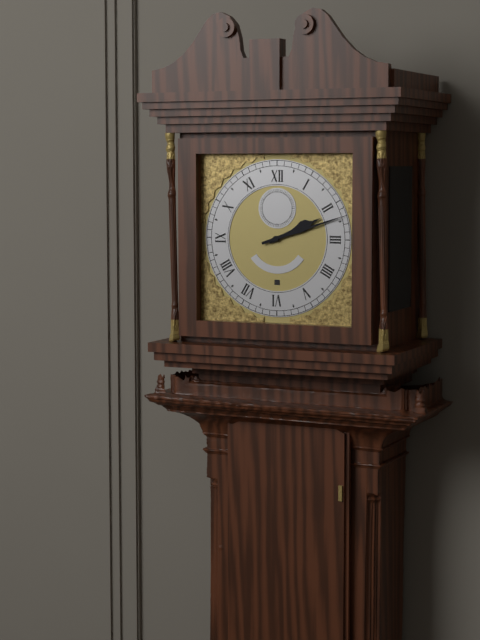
**2:12**
